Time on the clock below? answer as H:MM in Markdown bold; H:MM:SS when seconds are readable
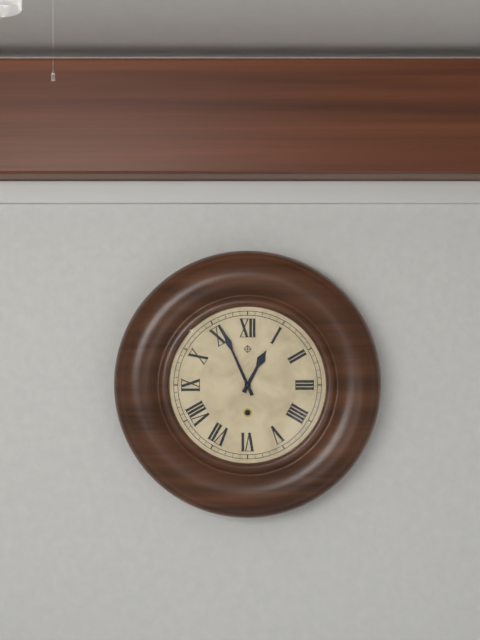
**12:56**
